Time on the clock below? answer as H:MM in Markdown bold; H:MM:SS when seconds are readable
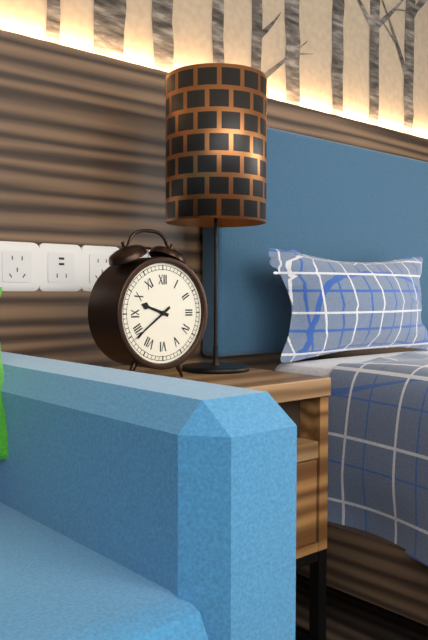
**9:39**
